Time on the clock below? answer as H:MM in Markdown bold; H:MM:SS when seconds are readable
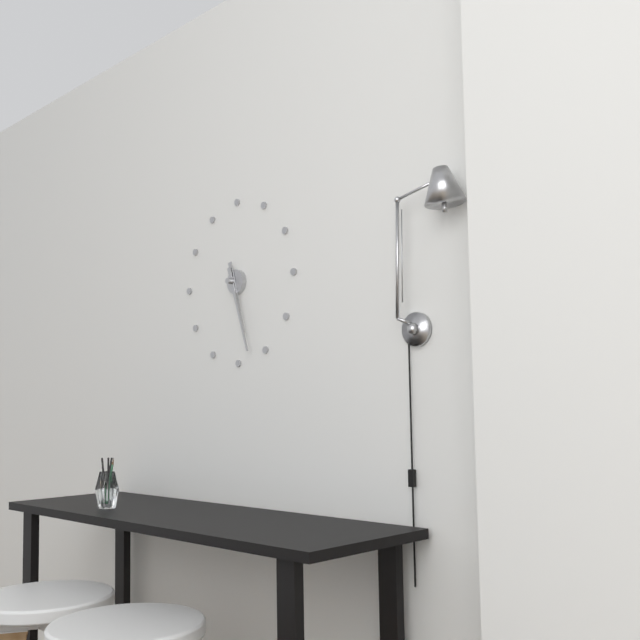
**5:27**
